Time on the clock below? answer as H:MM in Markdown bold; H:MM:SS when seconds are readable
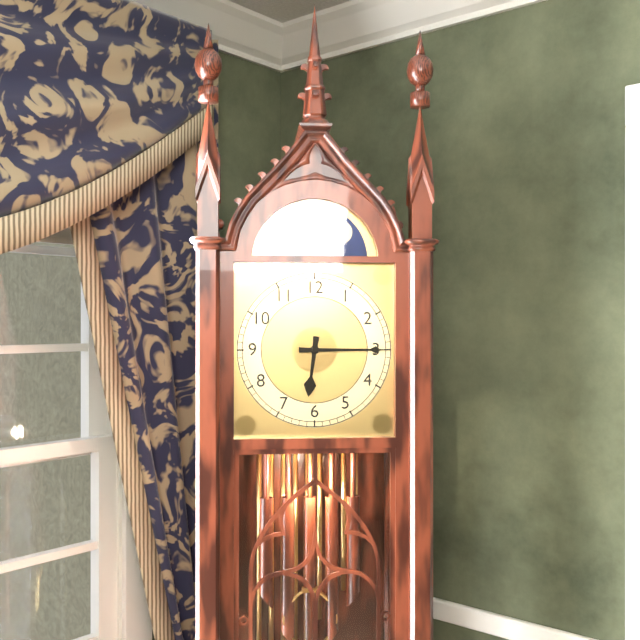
**6:15**
